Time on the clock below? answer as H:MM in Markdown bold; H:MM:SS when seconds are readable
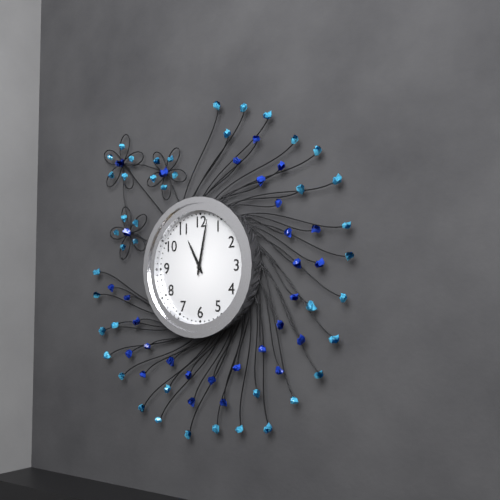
**11:02**
